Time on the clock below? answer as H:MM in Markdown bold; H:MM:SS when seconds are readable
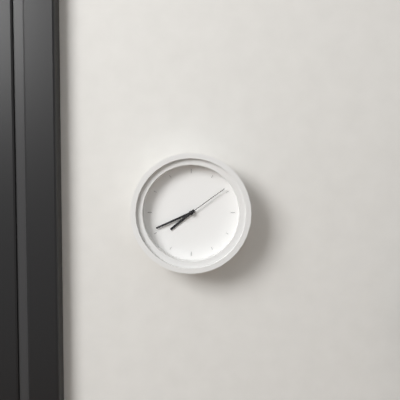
**7:41:09**
